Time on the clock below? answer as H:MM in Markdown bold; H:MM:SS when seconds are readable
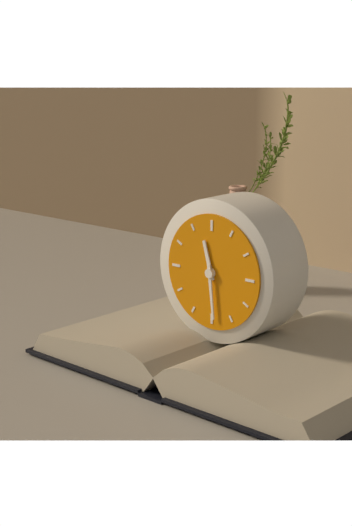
**11:29**
